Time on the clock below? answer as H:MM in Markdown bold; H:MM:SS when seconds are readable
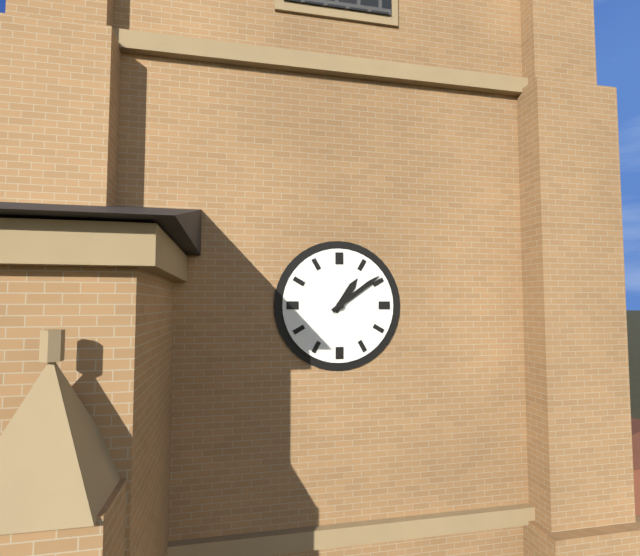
**1:09**
